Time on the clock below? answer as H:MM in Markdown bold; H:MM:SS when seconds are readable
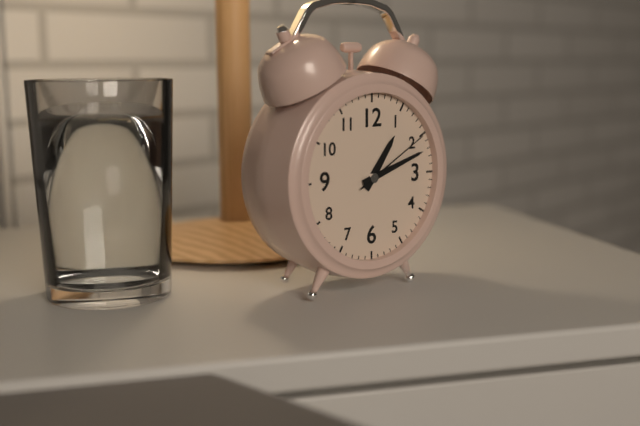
**1:12:10**
